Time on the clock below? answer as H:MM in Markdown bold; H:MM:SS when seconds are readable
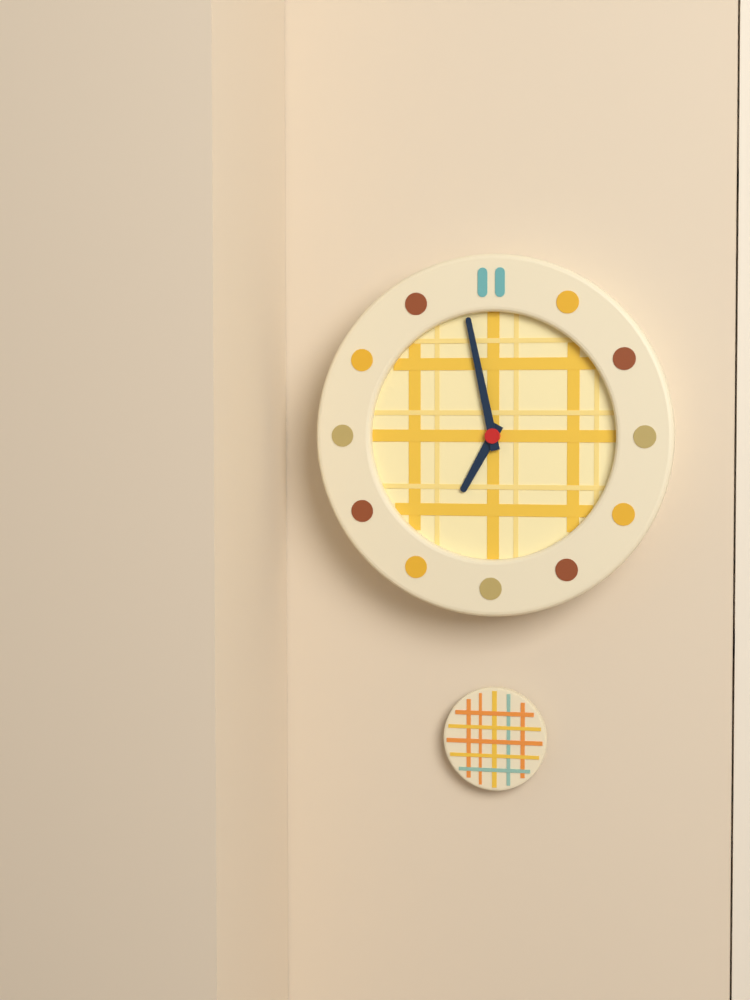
**6:58**
